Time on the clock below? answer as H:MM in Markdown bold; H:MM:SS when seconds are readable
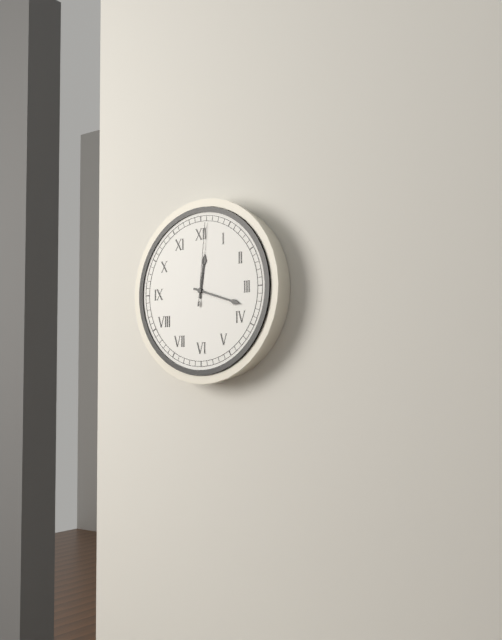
**12:18:01**
